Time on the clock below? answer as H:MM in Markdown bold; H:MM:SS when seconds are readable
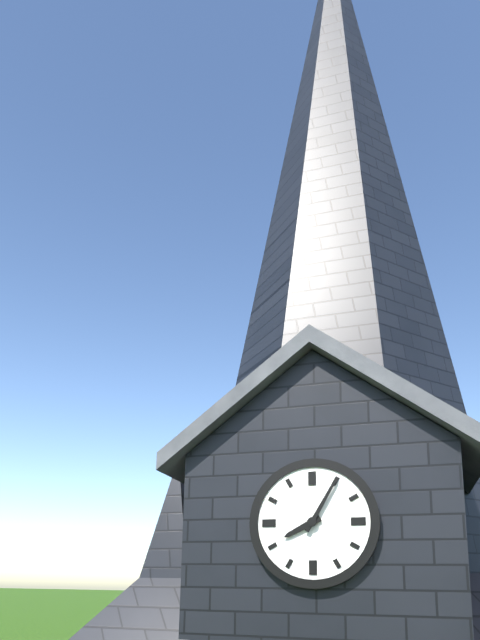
**8:05**
